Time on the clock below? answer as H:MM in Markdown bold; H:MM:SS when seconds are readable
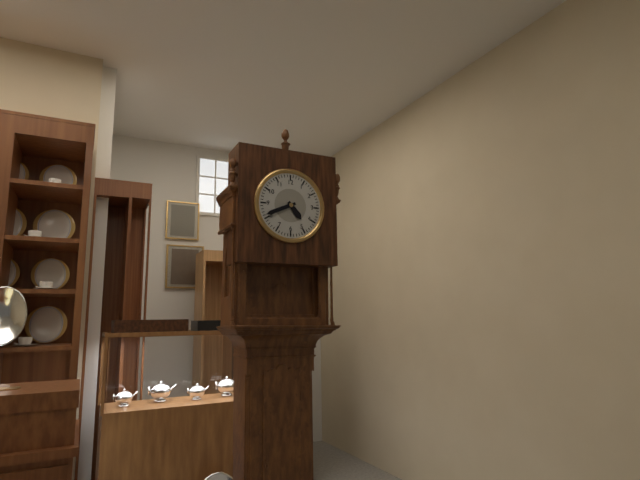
**4:41**
